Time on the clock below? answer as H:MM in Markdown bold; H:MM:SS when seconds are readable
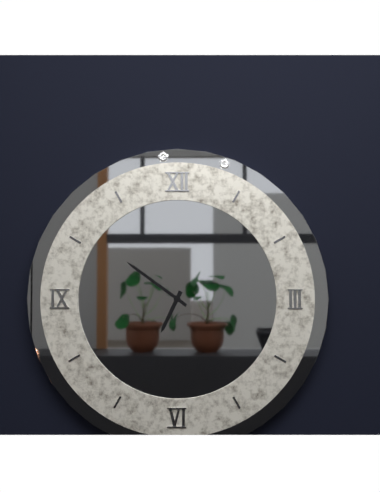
**6:51**
